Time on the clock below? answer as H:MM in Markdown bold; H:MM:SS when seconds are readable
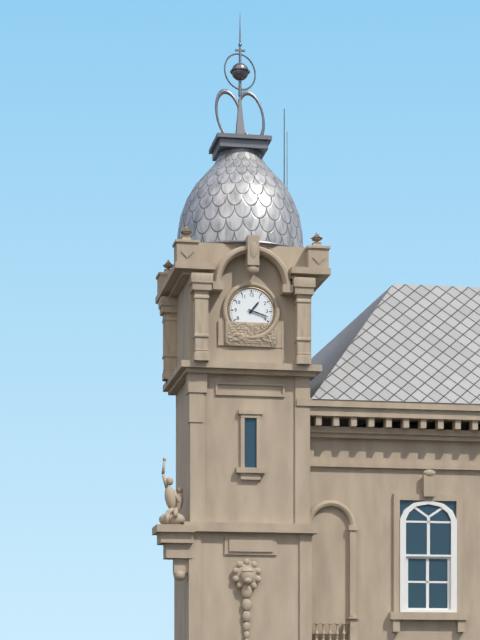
**1:18**
